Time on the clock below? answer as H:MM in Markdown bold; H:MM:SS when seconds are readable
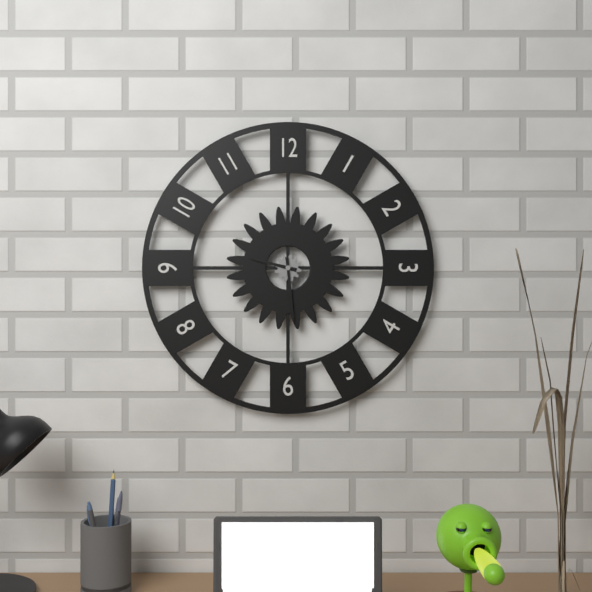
**9:29**
